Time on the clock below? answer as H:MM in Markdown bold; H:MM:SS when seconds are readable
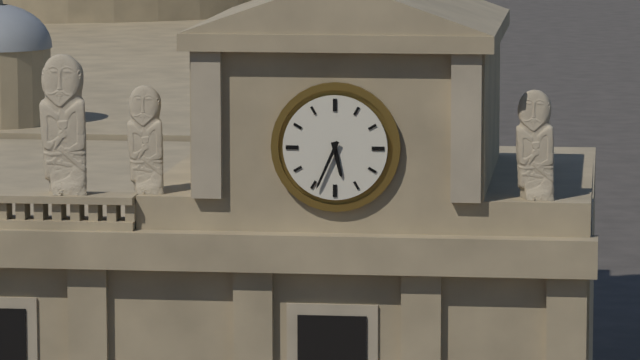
**5:34**
